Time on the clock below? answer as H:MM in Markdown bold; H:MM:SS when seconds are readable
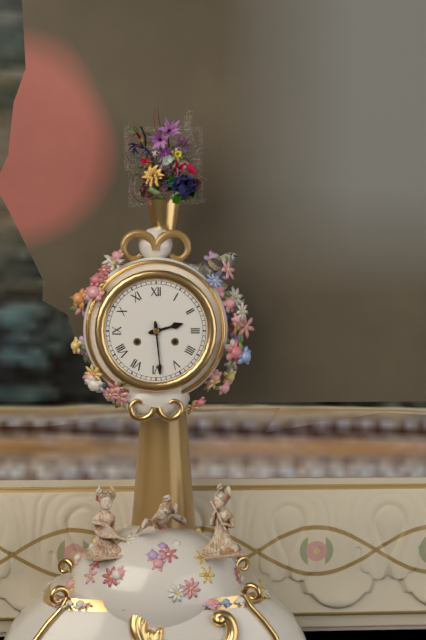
**2:29**
